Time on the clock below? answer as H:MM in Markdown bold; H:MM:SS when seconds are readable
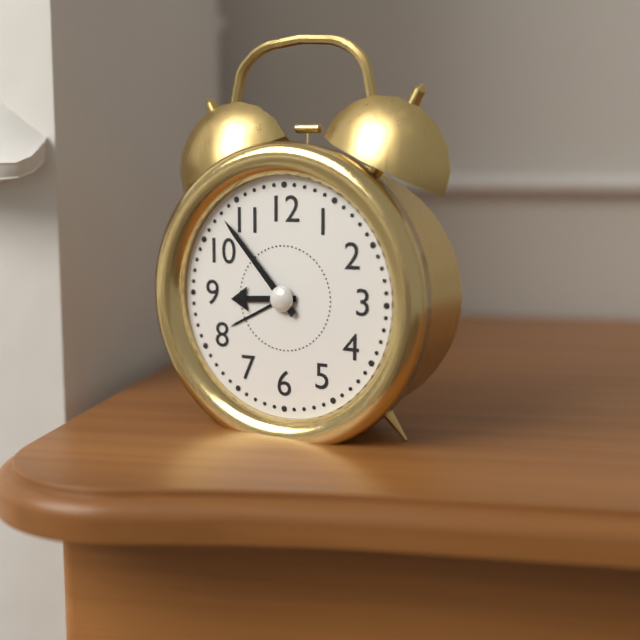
**8:53**
